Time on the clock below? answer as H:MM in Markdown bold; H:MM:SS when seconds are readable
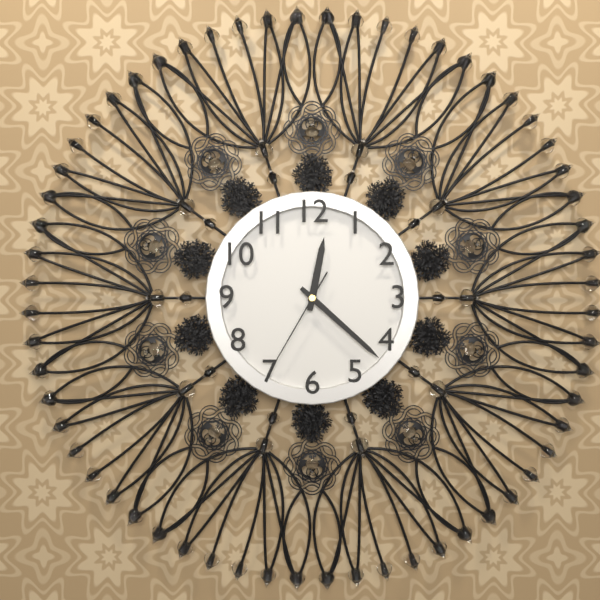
**12:22:35**
